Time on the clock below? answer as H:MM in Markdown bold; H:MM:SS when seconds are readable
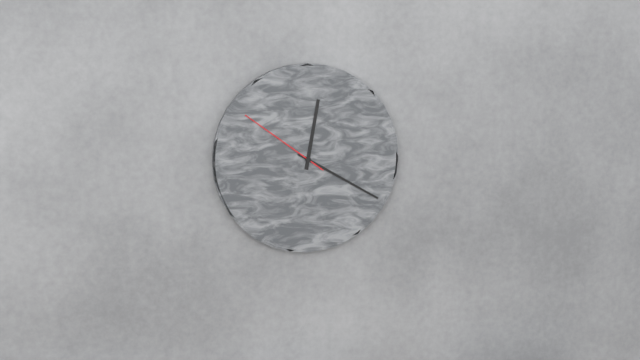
**12:20:51**
